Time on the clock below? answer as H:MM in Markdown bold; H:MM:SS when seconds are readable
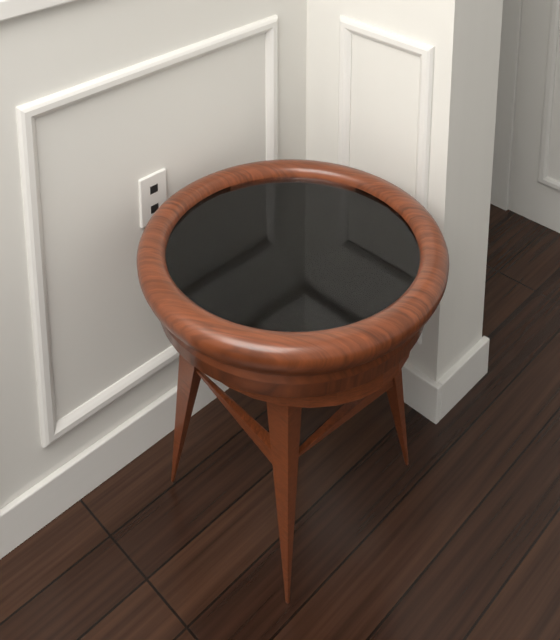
**5:33**
